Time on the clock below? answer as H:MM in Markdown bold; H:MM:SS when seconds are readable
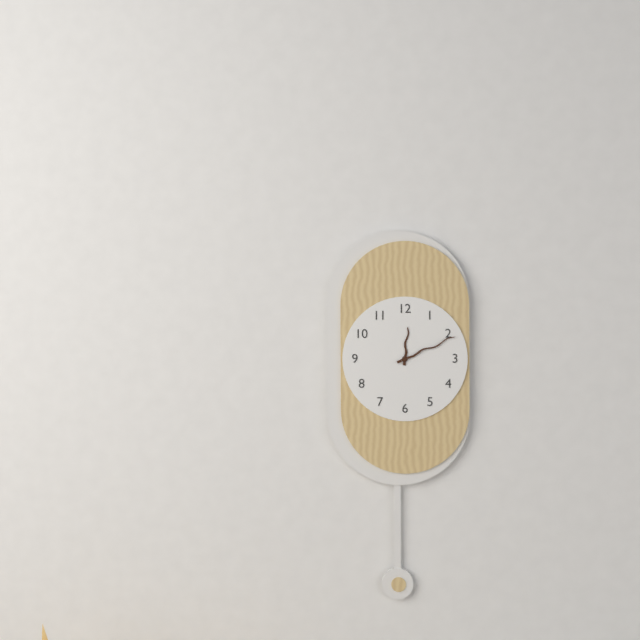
**12:11**
